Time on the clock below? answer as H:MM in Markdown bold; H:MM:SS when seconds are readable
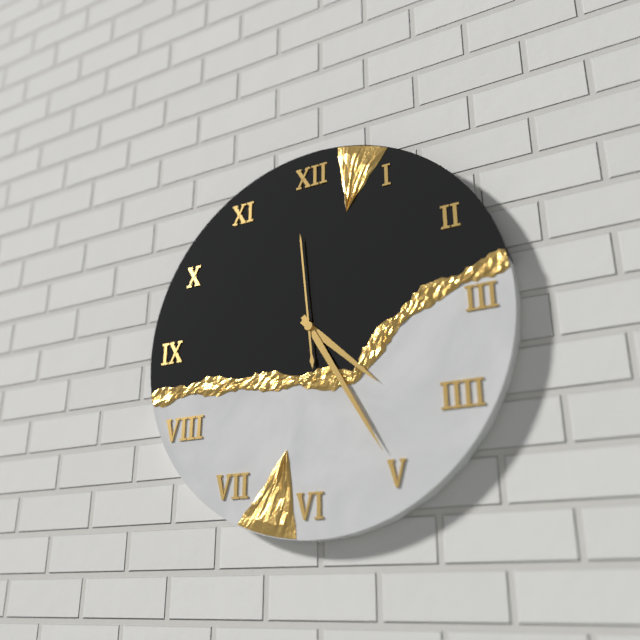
**4:25:59**
